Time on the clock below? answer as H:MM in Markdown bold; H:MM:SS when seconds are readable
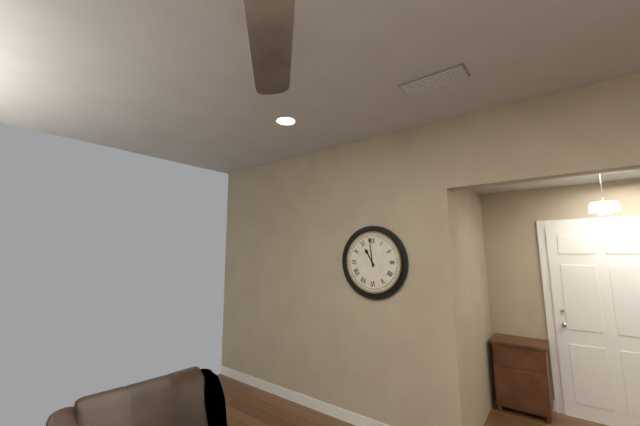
**10:59**
